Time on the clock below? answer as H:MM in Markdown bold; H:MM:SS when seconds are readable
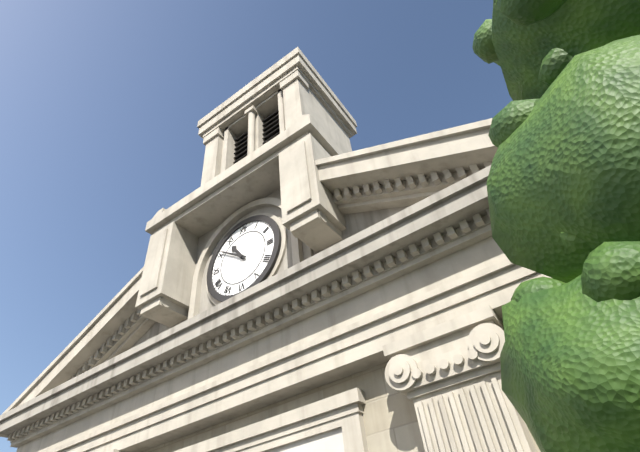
**10:51**
